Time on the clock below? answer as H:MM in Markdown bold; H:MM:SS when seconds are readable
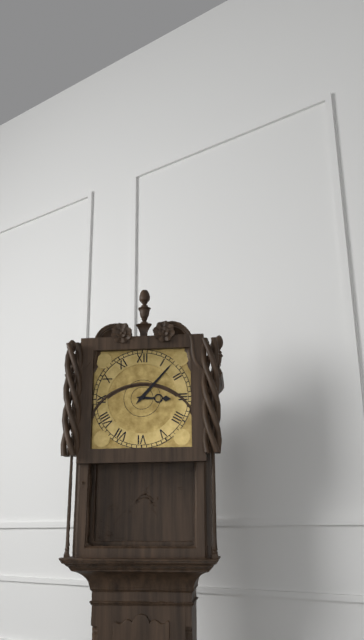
**3:07**
